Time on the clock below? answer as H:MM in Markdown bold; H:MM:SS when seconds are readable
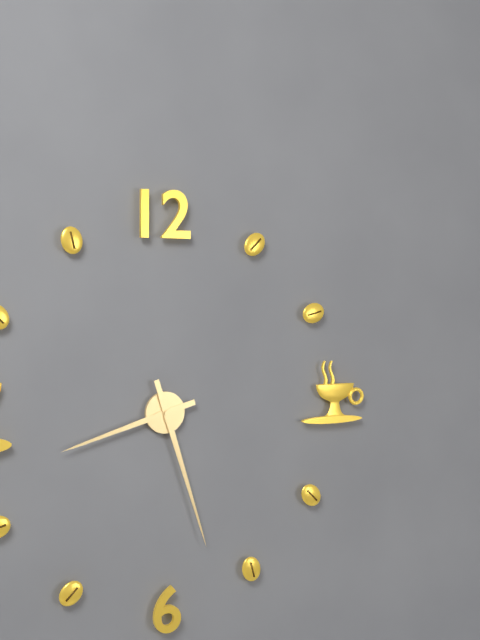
**8:27**
